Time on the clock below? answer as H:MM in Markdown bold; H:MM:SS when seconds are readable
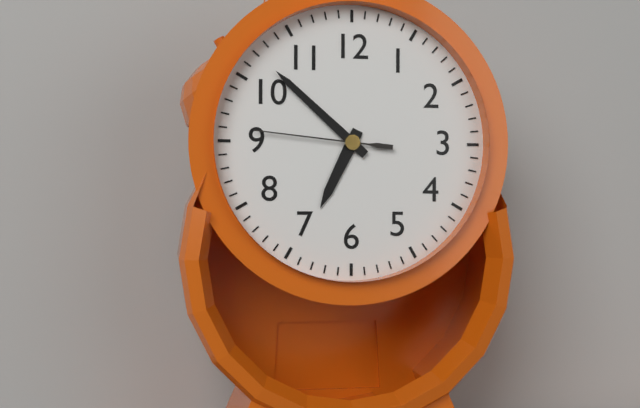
**6:52:46**
